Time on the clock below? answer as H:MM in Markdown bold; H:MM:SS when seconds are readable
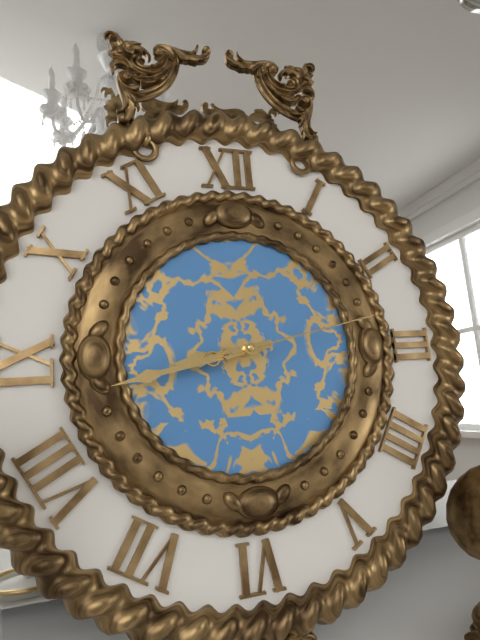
**8:43:13**
